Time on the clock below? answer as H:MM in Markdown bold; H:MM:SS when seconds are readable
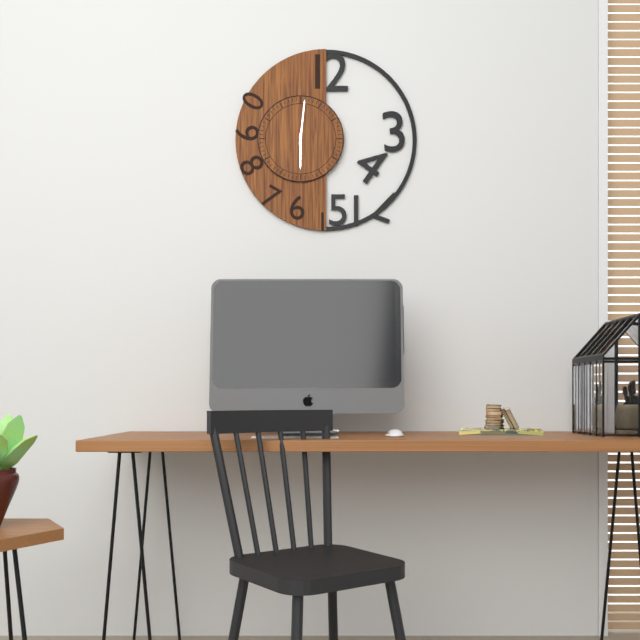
**6:01**
